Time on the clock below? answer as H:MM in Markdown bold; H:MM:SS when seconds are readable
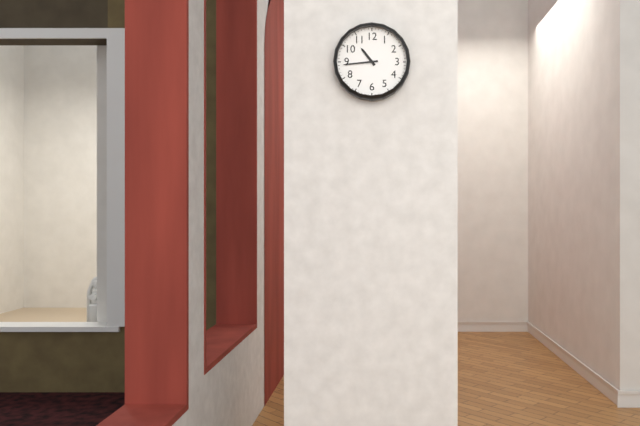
**10:44**
